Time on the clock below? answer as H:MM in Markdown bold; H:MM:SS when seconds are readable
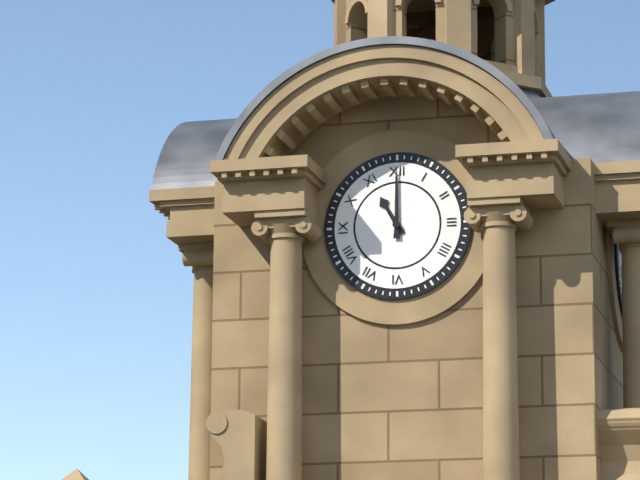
**11:00**
